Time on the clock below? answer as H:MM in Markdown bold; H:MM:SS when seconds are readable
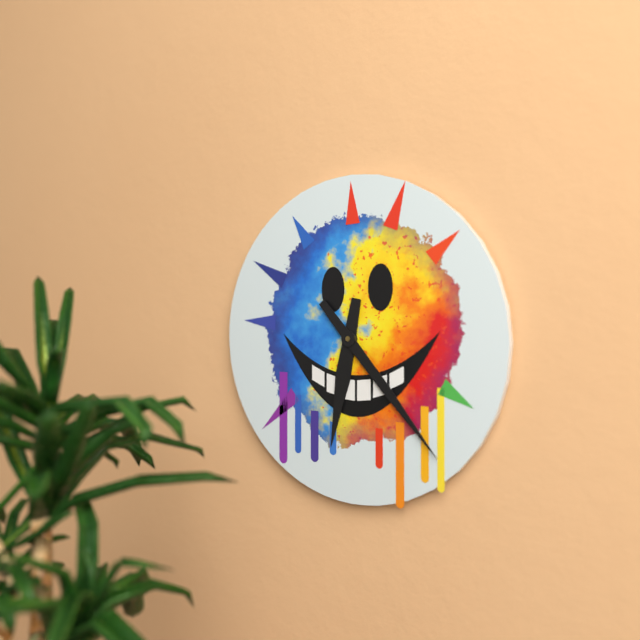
**6:23**
